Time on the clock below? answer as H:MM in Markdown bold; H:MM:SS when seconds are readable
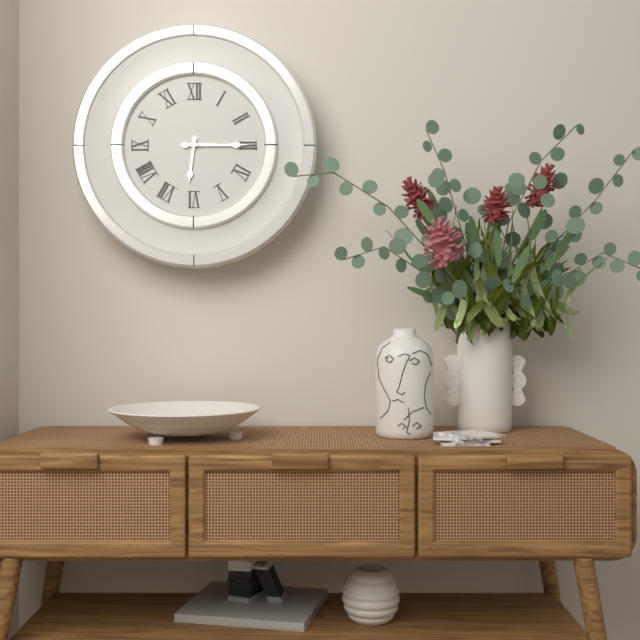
**6:15**
